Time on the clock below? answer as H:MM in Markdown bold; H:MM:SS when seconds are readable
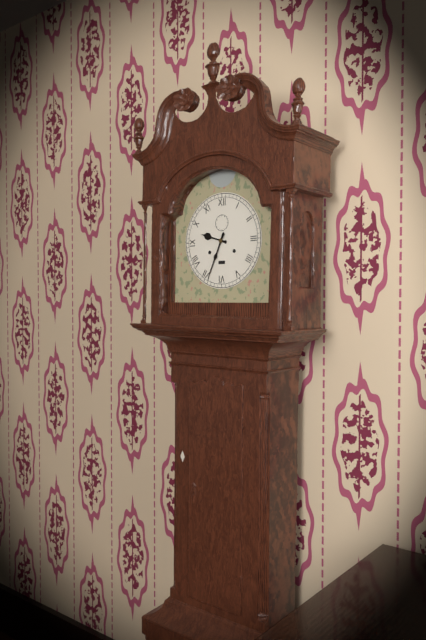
**9:34**
